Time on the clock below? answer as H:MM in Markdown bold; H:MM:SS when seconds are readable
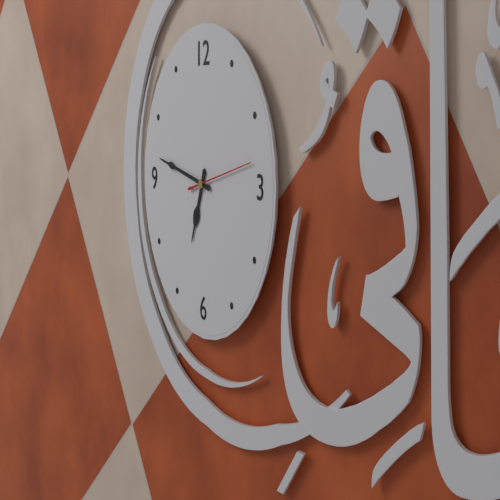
**6:47:13**
